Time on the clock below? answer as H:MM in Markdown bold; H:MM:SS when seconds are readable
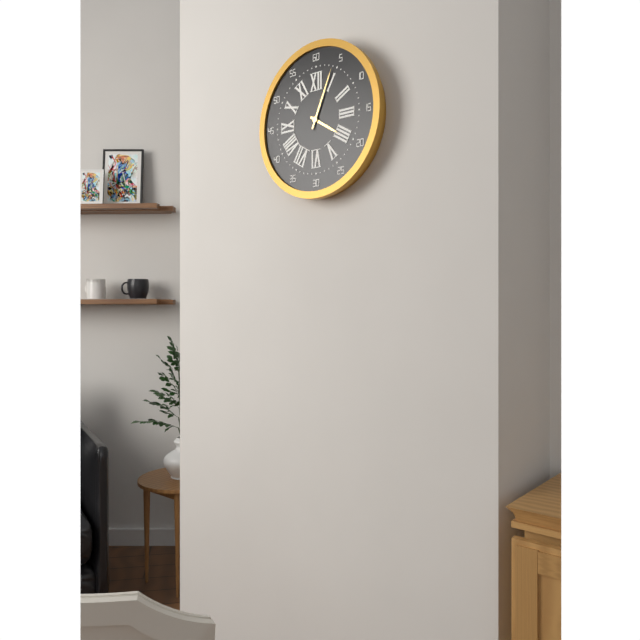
**4:04**
